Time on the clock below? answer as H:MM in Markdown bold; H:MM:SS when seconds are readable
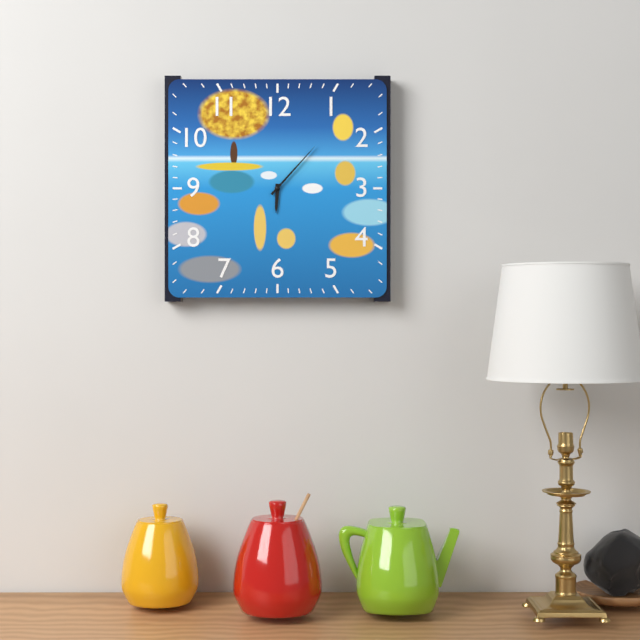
**6:07**
